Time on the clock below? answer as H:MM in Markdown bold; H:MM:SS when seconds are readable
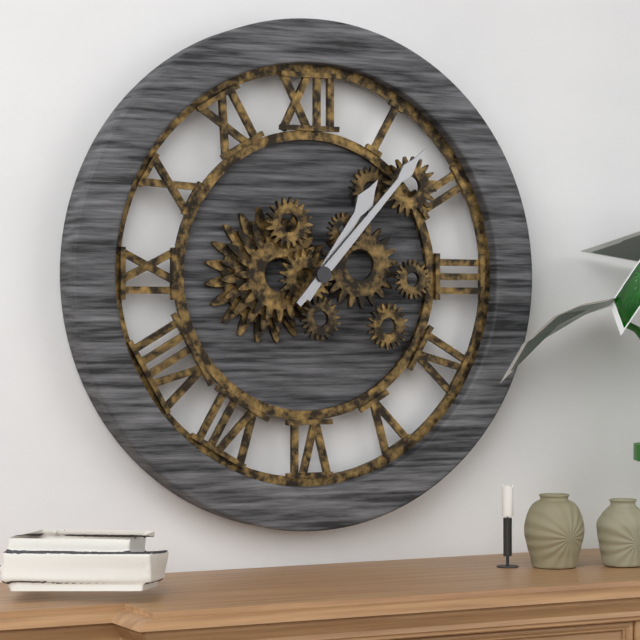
**1:07**
